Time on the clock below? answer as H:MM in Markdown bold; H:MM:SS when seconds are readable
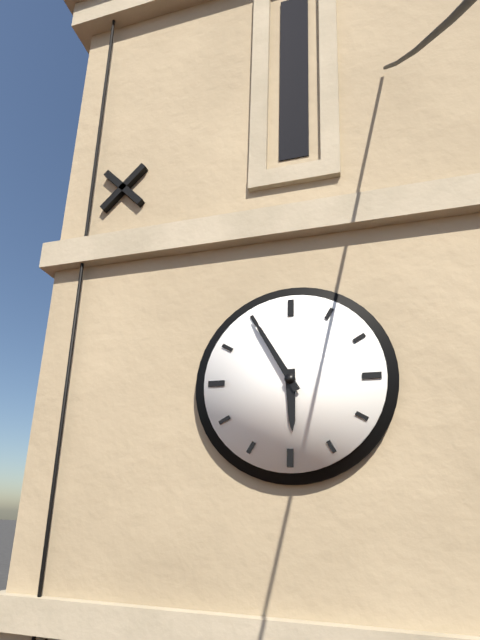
**5:55**
